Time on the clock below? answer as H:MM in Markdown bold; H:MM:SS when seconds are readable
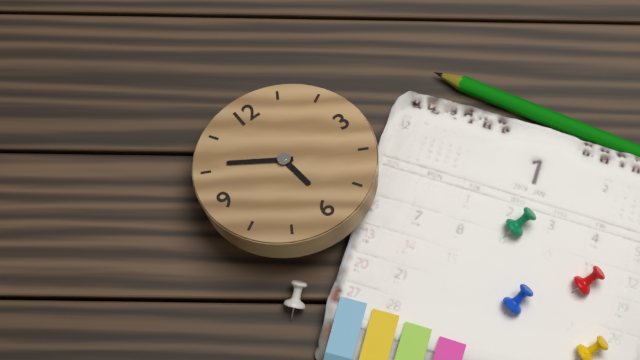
**5:51**
